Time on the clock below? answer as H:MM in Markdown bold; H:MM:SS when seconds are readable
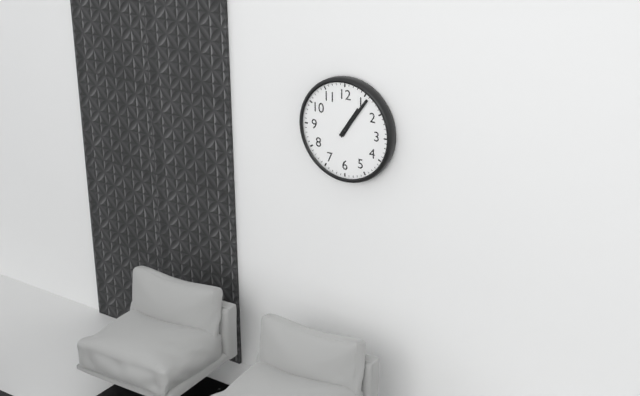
**1:06**
